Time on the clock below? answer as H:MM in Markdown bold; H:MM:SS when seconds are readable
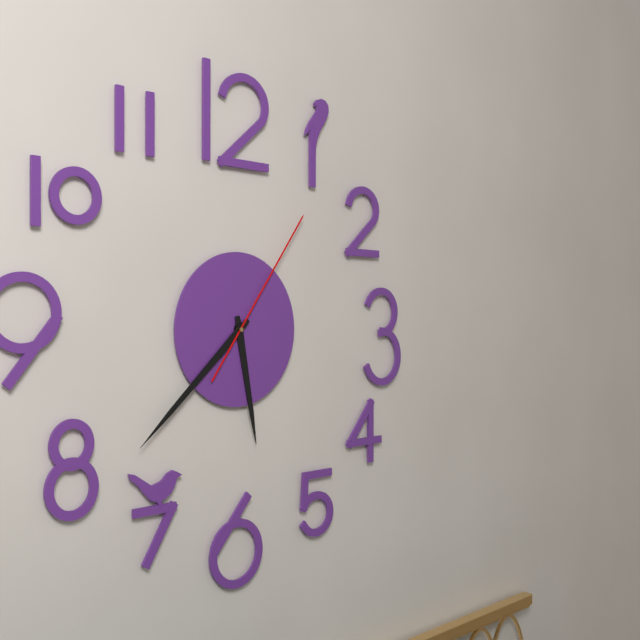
**5:38:06**
